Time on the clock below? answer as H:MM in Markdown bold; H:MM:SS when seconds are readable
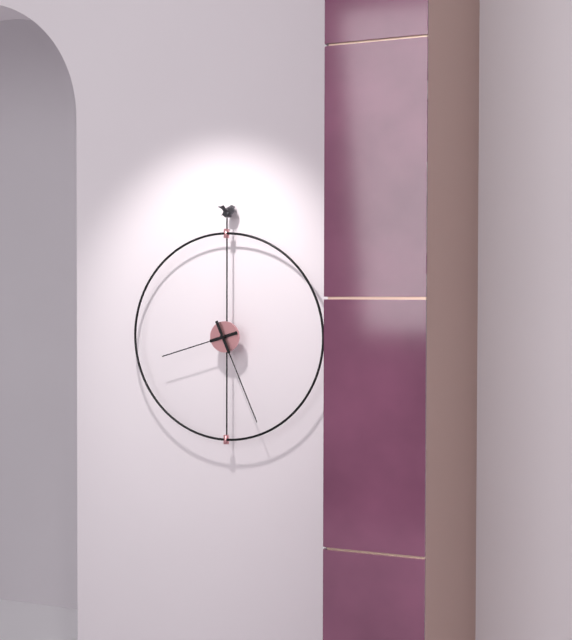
**8:26**
